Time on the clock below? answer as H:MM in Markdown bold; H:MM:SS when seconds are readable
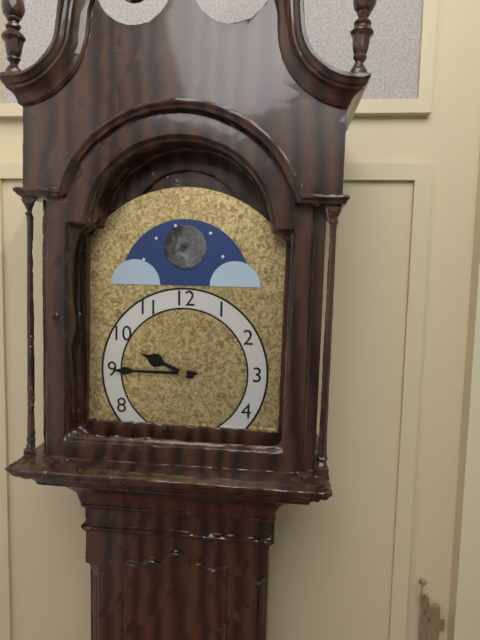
**9:45**
